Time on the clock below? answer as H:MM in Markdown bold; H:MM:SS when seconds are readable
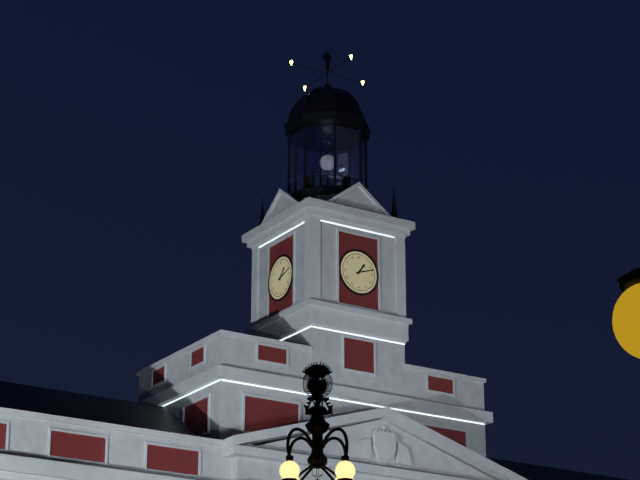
**1:12**
